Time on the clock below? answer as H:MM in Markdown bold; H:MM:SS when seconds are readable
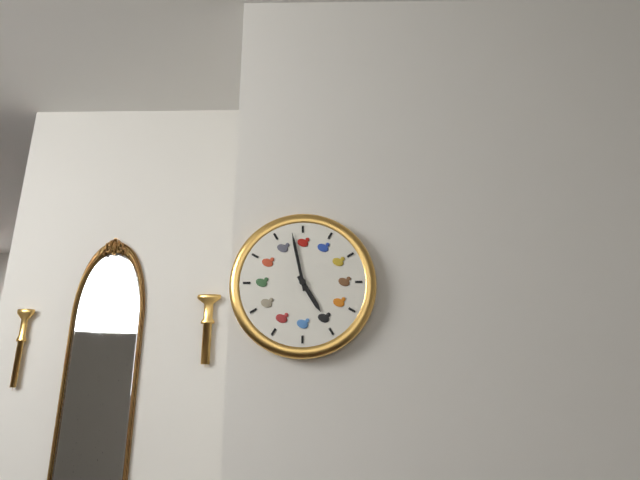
**4:58**
